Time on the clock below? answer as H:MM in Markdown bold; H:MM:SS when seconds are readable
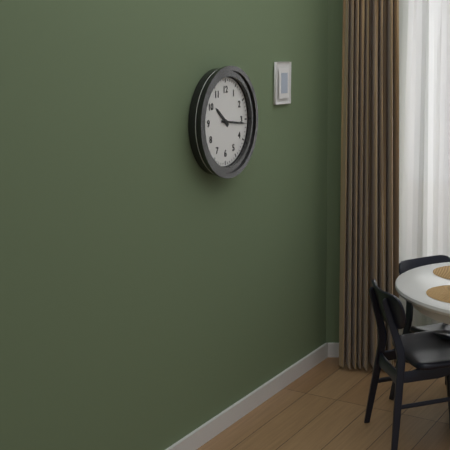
**10:16**
